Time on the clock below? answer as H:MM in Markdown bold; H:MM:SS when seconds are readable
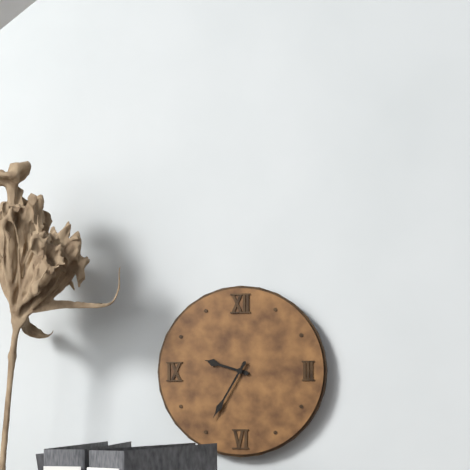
**9:35**
